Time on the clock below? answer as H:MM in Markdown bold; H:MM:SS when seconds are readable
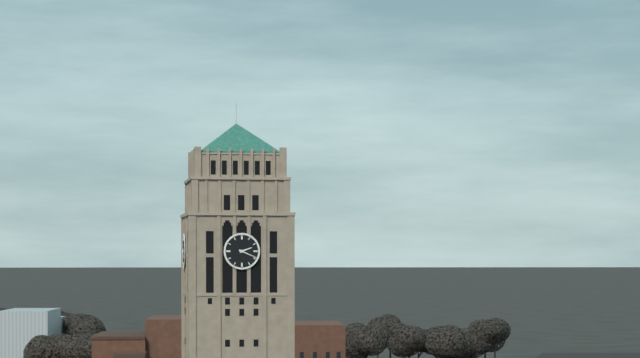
**2:19**
